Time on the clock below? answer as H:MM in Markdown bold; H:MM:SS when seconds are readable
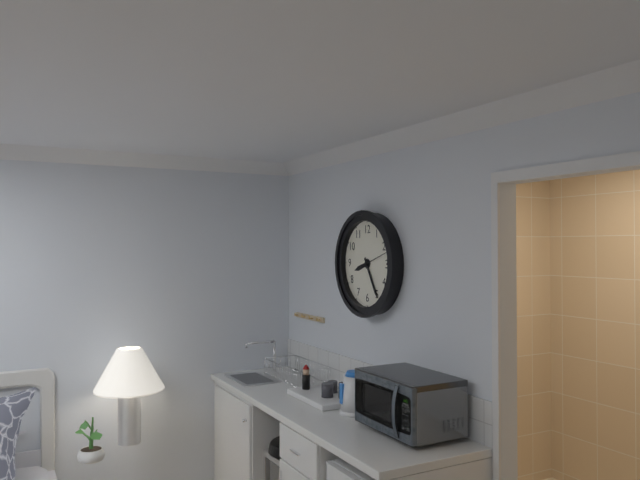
**8:25**
